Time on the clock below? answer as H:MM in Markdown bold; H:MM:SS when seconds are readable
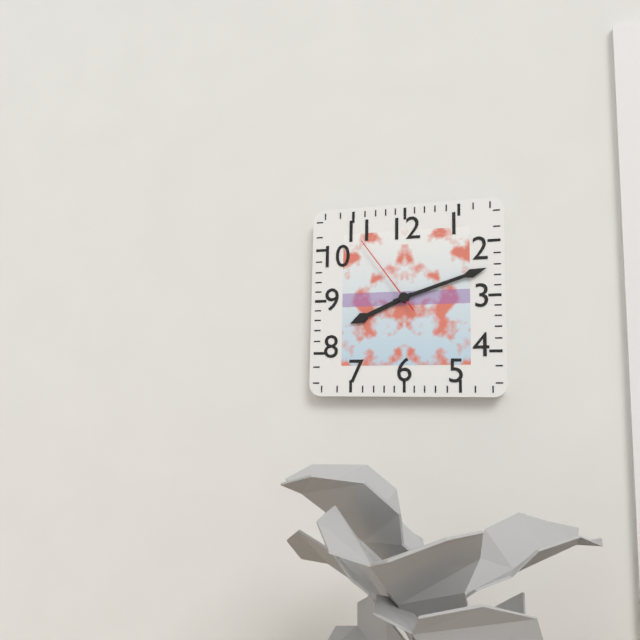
**8:12:54**
